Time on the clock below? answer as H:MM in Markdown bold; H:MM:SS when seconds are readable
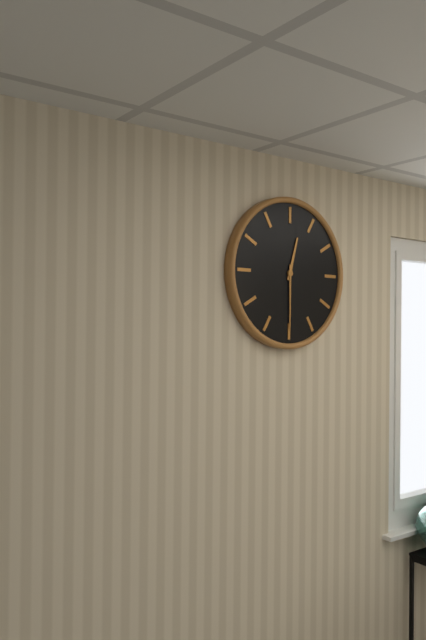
**12:30**
